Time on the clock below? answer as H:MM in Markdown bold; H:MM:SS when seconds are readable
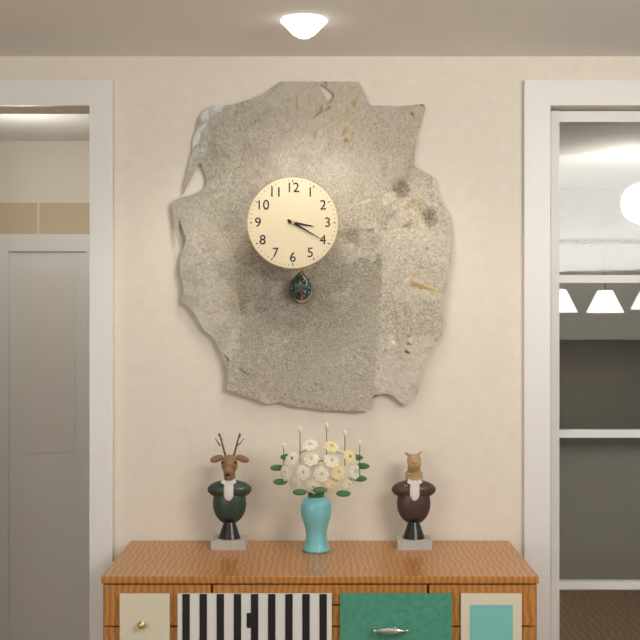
**3:20**
